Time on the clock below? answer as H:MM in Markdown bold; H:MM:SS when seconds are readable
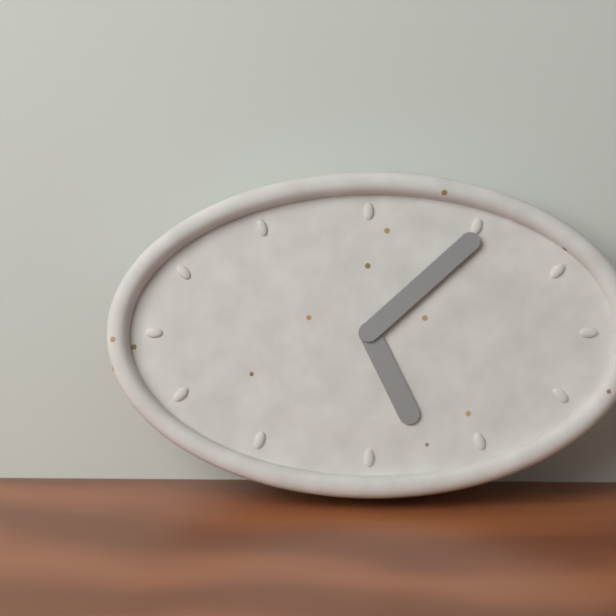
**5:08**
